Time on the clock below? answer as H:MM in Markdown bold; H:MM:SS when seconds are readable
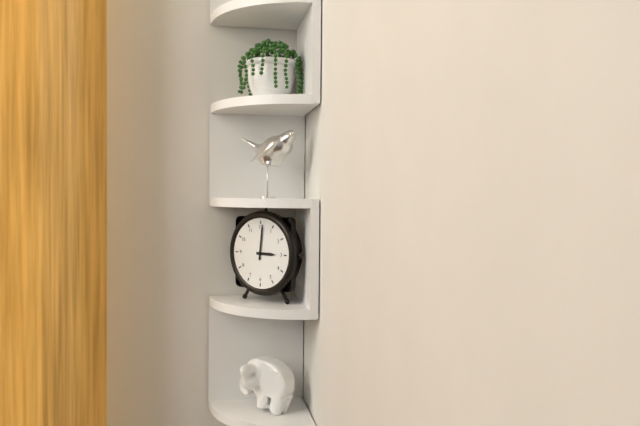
**3:01**
